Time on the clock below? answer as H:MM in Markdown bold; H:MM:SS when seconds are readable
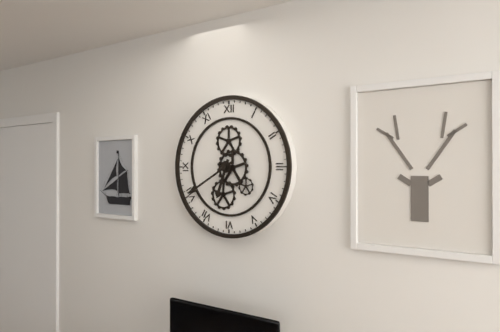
**6:40**
